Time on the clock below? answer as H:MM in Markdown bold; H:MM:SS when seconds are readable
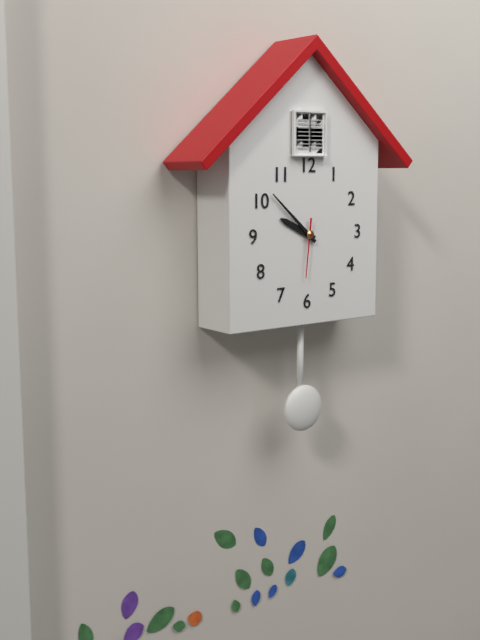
**9:52:31**
